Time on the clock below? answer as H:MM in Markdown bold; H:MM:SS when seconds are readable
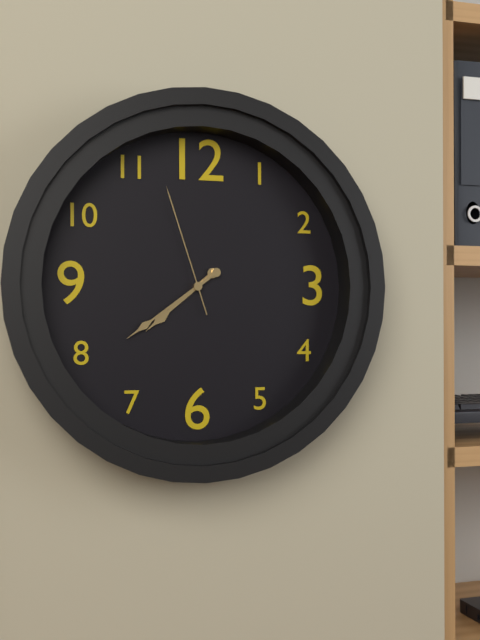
**7:39:57**
